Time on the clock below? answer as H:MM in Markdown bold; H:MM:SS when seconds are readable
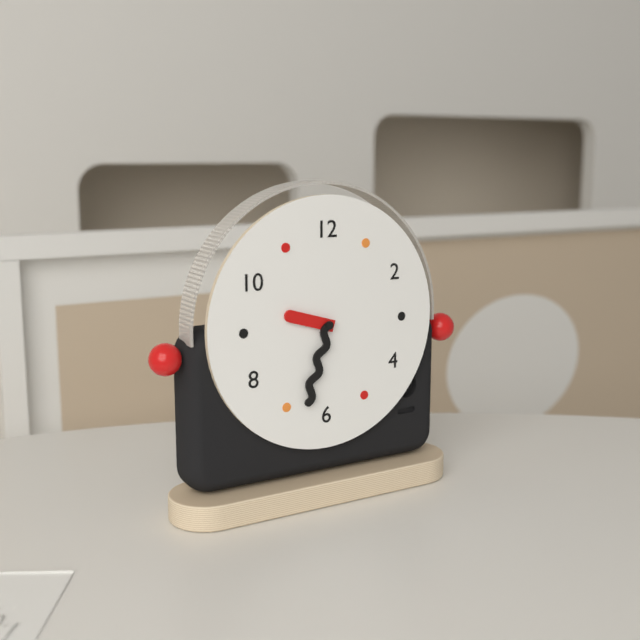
**9:33**
